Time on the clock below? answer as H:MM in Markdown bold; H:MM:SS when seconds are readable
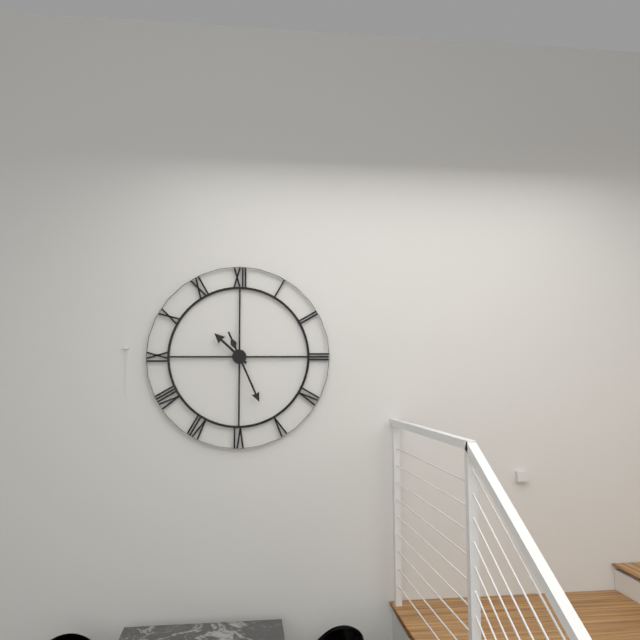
**10:26**
